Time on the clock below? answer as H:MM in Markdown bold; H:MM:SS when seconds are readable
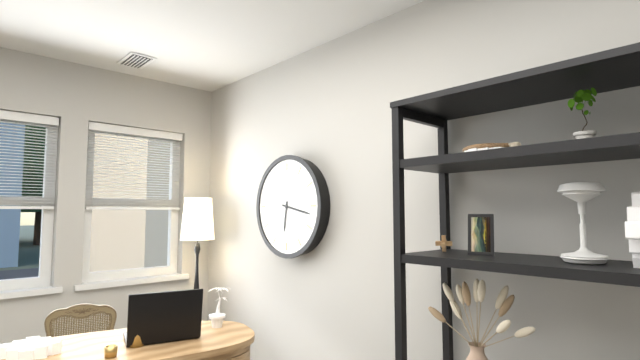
**6:17**
